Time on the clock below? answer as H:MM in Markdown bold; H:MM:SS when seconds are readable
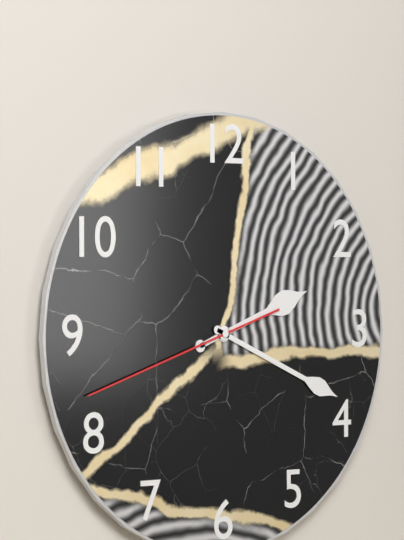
**2:19:42**
